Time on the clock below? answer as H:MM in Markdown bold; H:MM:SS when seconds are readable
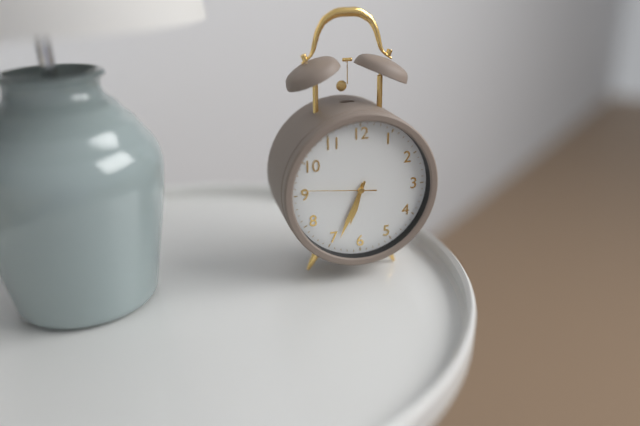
**6:34:46**
